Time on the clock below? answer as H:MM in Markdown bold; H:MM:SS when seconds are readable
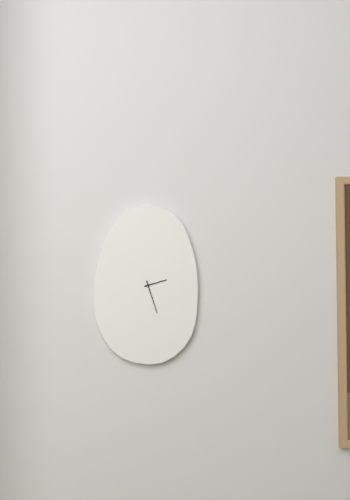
**2:27**
